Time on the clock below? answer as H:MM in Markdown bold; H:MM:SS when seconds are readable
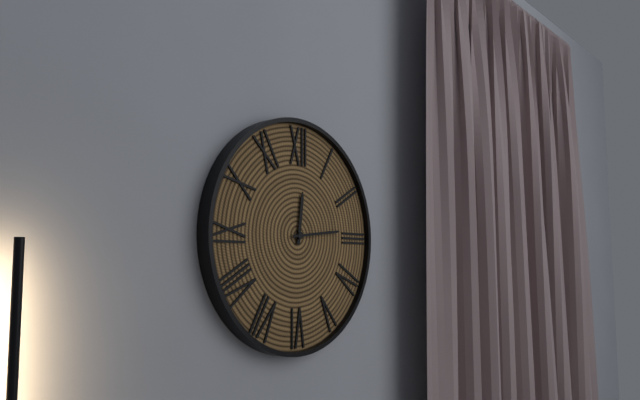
**12:14**
